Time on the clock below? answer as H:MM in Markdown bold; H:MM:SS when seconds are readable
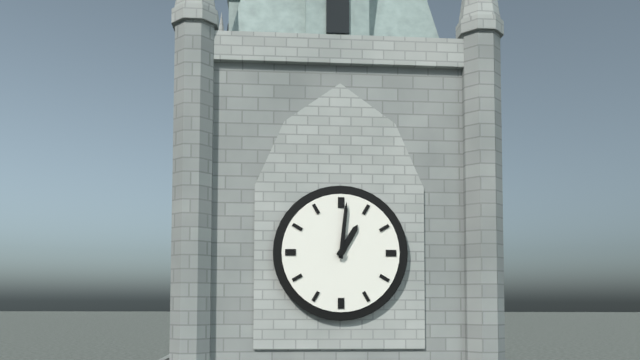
**1:01**
